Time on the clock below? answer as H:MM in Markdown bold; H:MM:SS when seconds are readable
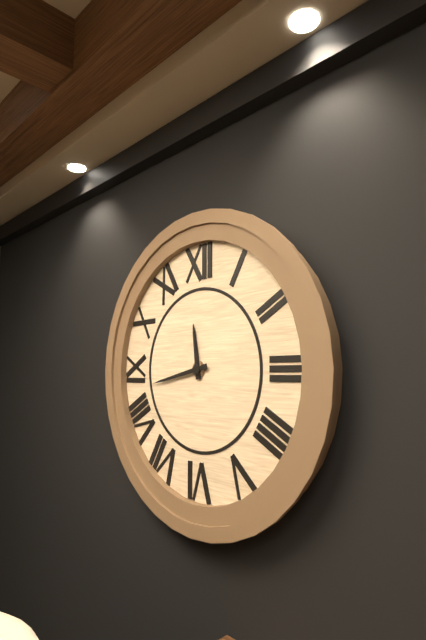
**11:43**
